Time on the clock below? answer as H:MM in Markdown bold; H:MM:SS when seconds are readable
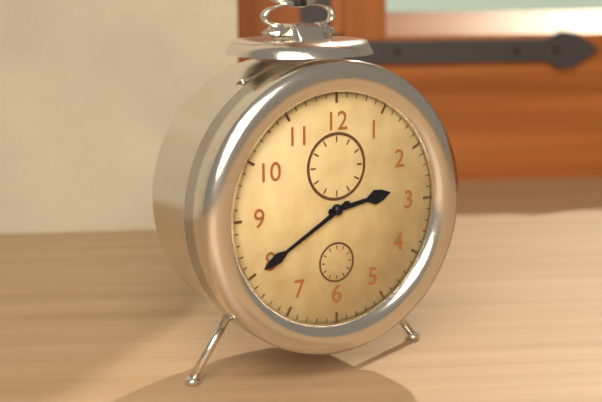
**2:40**
